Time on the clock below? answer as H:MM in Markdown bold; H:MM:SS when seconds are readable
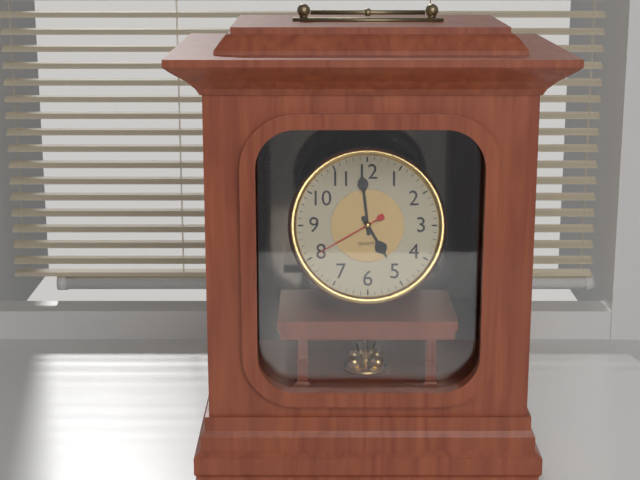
**4:59:40**
